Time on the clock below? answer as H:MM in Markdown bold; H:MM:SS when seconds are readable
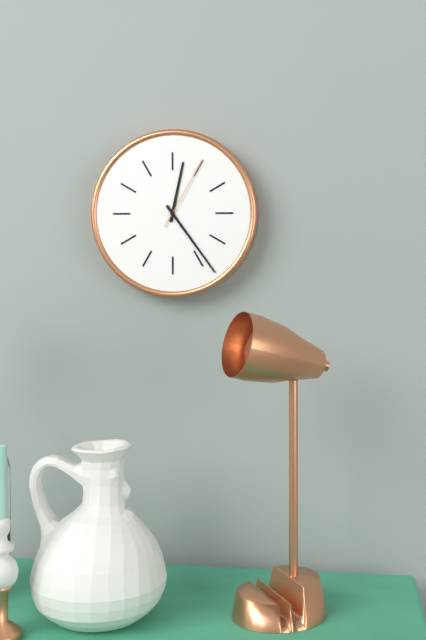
**12:24:05**
